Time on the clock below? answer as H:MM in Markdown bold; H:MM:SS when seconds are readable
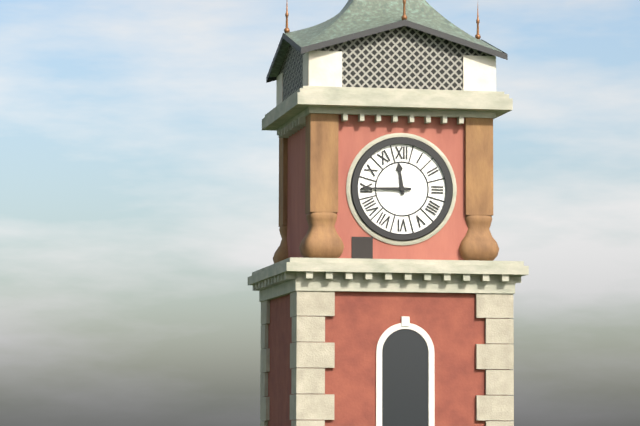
**11:45**
